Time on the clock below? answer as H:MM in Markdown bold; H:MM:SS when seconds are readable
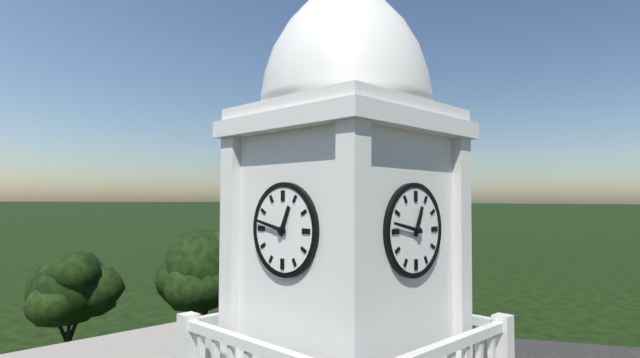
**12:47**
